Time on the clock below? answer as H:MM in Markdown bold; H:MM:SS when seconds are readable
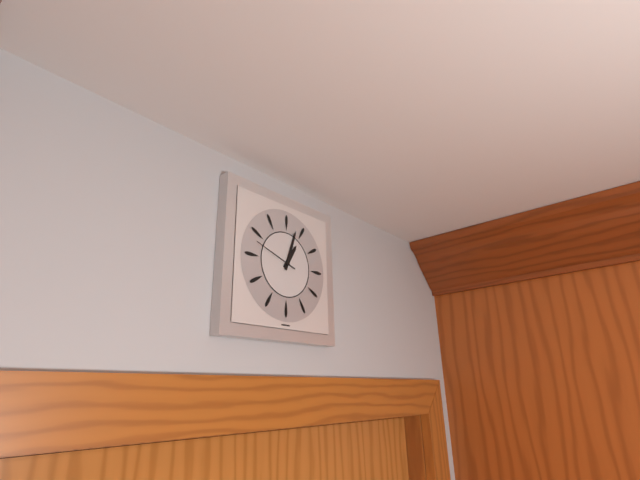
**1:03**
